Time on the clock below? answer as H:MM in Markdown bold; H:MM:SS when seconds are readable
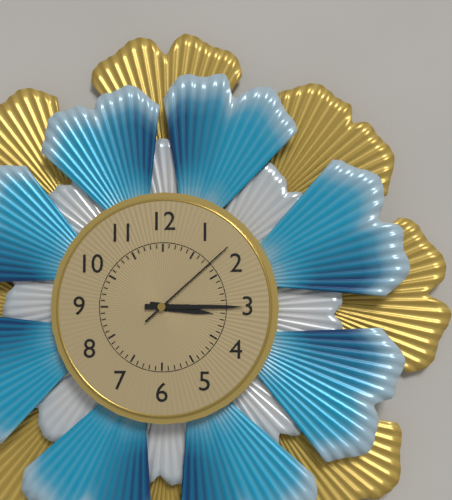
**3:15:08**
